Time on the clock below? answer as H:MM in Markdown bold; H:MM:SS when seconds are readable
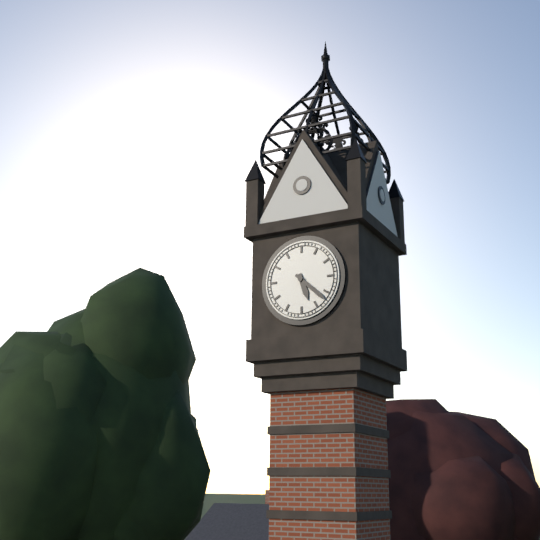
**5:22**
